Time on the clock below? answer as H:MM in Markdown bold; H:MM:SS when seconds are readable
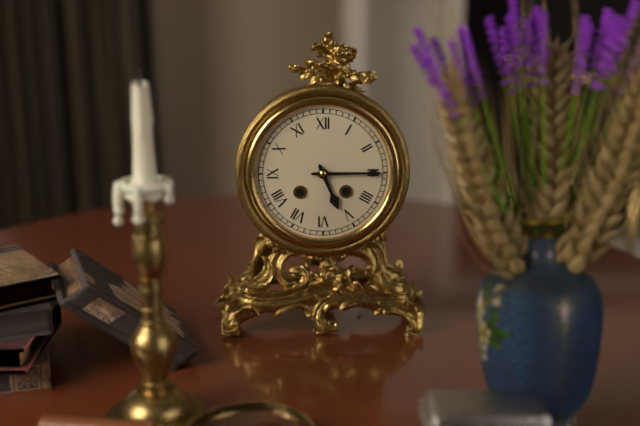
**5:15**
